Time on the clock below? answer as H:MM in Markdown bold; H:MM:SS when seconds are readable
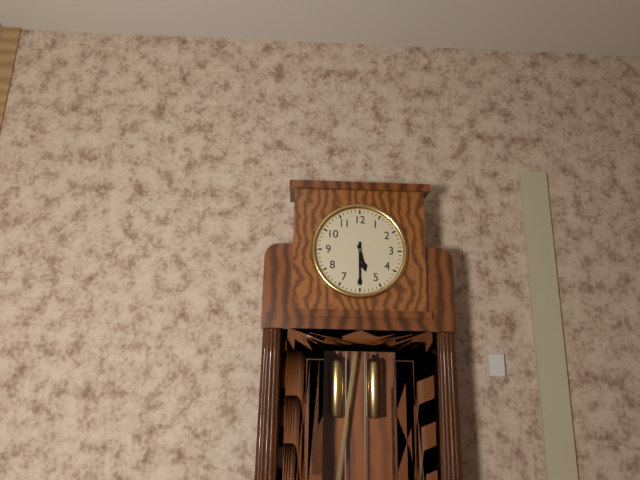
**5:30**
